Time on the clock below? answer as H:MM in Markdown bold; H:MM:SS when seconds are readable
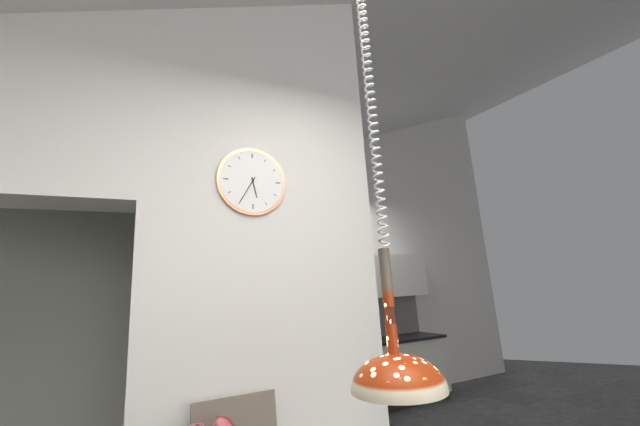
**5:35**
